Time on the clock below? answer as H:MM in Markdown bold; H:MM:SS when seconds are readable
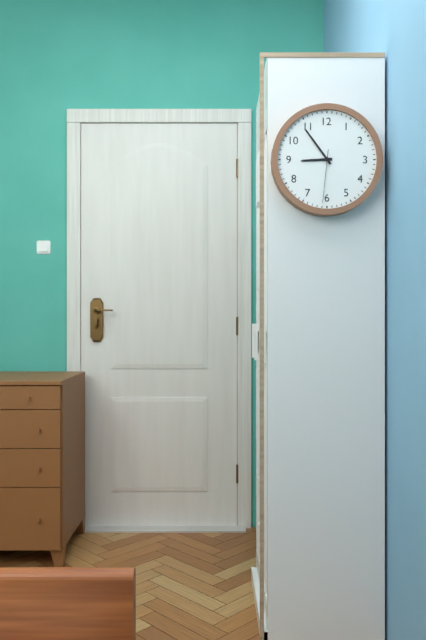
**8:54:31**
